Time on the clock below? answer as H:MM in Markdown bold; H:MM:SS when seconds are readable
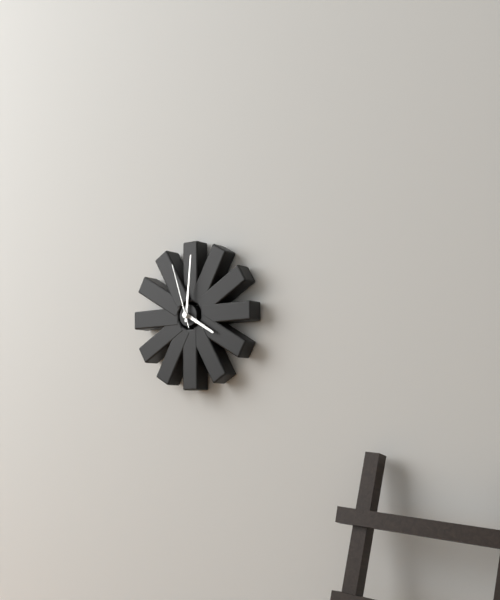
**4:01:57**
